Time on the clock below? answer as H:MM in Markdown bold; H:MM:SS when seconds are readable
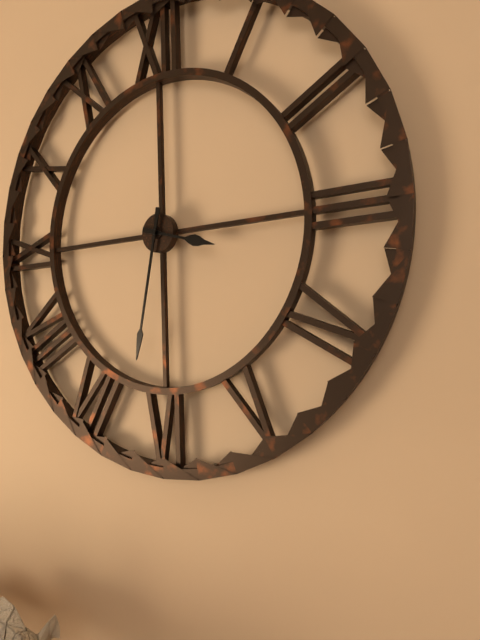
**3:32**
